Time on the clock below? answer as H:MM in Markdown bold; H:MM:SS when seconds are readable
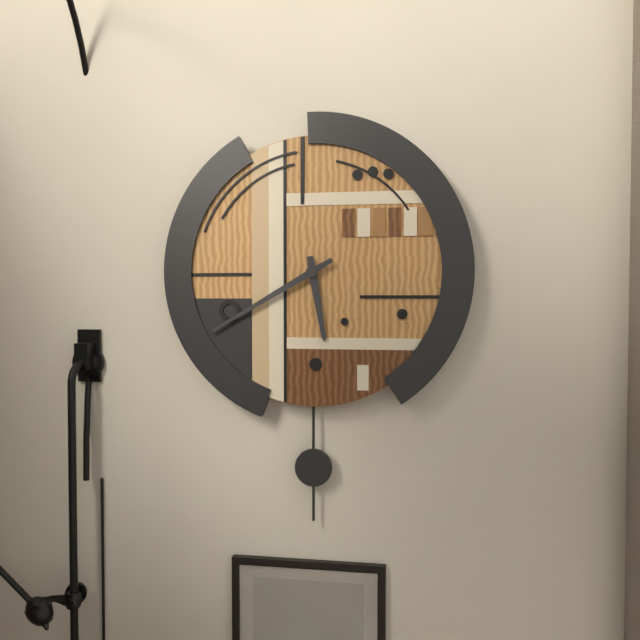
**5:40**
